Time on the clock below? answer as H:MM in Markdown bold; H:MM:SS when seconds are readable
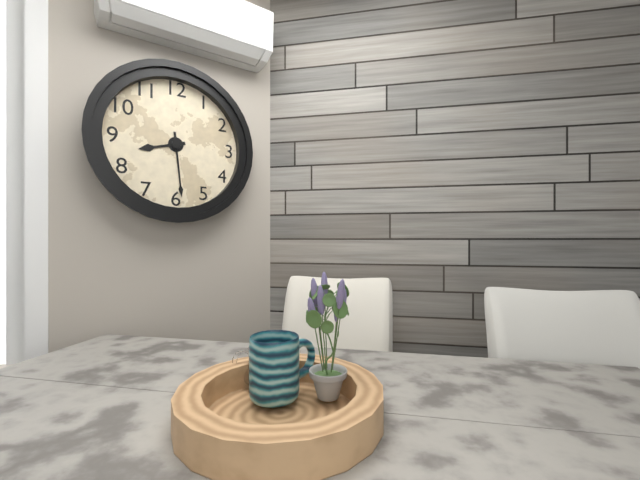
**8:29**
